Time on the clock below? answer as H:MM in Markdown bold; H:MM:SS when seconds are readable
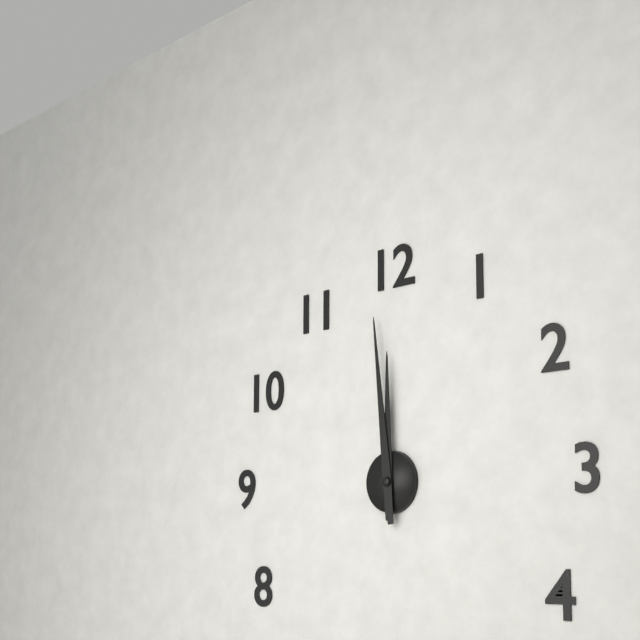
**11:59**
